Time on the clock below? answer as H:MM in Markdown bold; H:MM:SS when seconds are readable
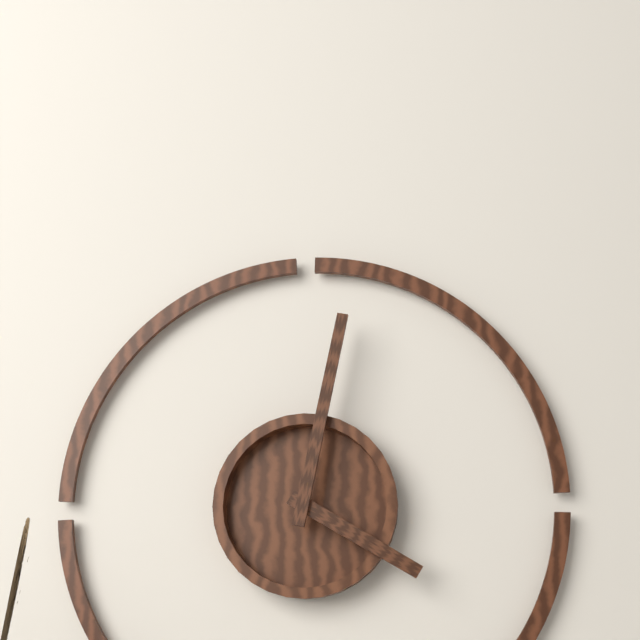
**4:02**
